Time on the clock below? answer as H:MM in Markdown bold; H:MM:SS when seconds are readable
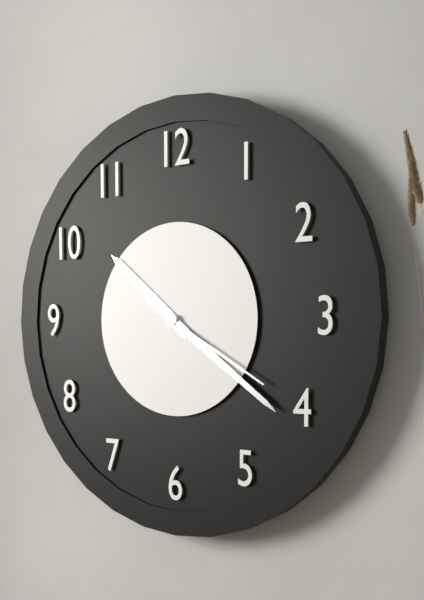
**10:21:20**
